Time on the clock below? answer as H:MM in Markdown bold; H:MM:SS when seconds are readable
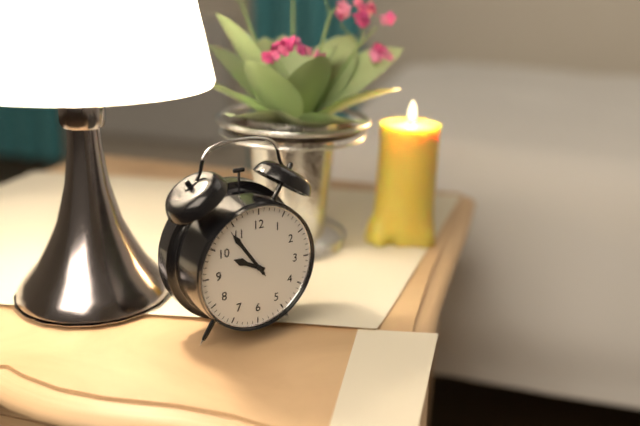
**9:54:54**
